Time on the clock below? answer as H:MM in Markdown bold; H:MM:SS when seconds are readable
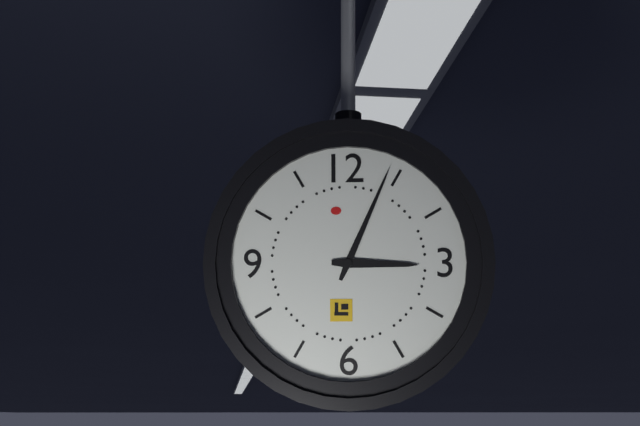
**3:04**
